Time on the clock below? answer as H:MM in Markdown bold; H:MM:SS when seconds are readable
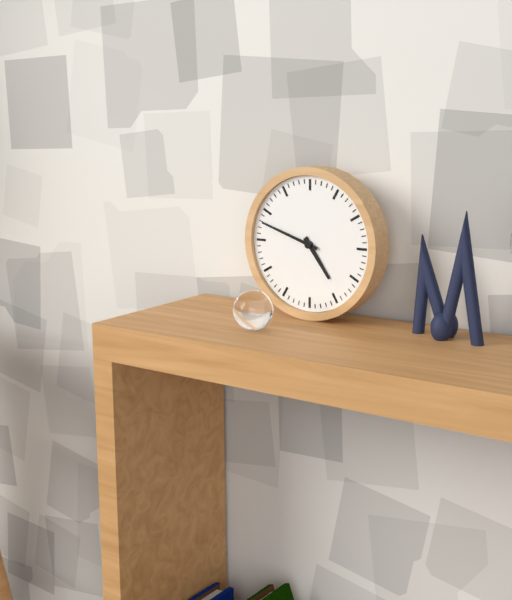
**4:48**
